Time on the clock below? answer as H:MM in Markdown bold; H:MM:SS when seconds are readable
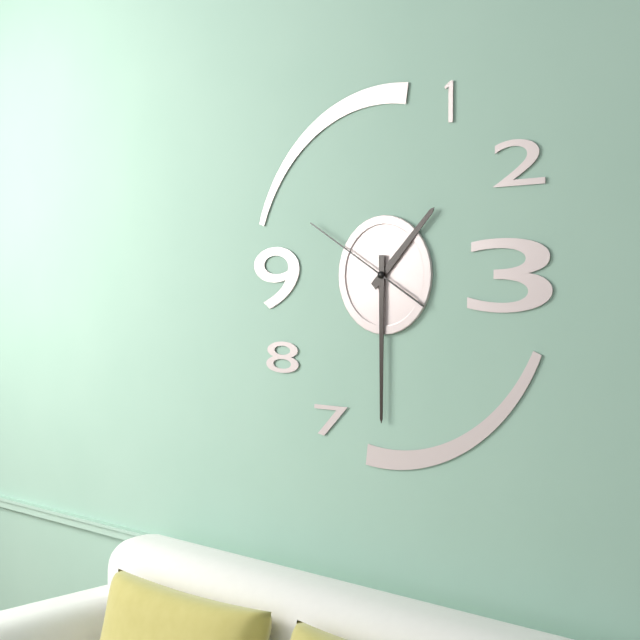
**1:30:50**
